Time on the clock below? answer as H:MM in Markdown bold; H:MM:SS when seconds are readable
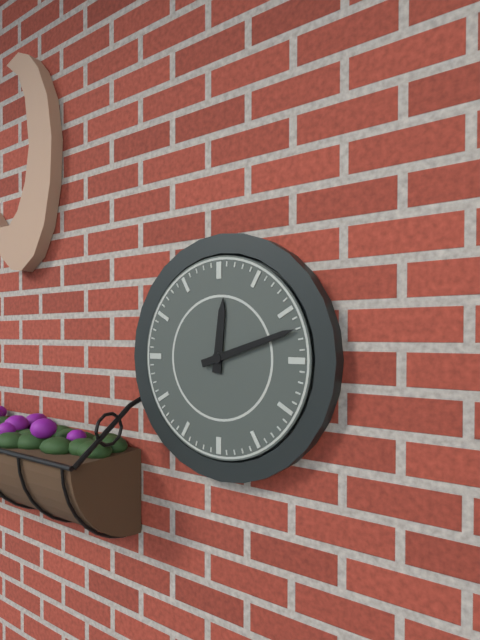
**12:12**
